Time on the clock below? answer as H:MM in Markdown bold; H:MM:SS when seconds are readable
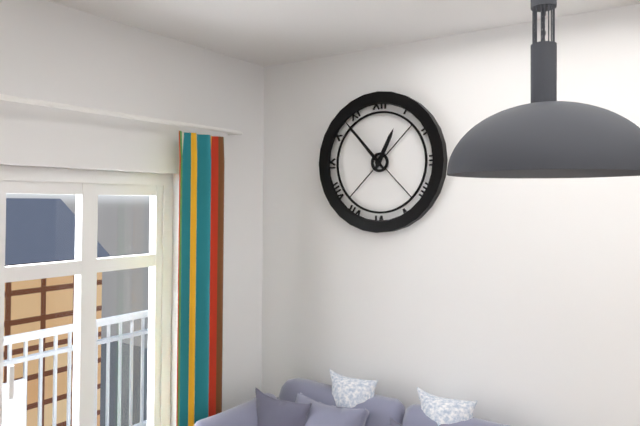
**12:53**
